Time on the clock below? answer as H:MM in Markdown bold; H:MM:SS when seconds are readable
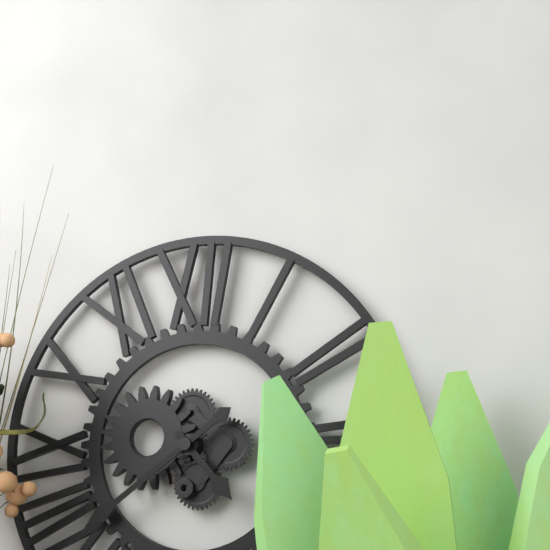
**4:39**
